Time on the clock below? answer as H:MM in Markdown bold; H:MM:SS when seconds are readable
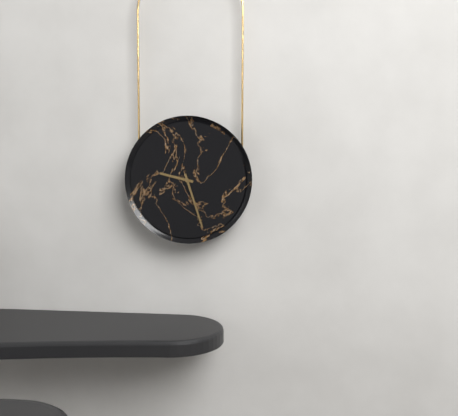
**9:27**
